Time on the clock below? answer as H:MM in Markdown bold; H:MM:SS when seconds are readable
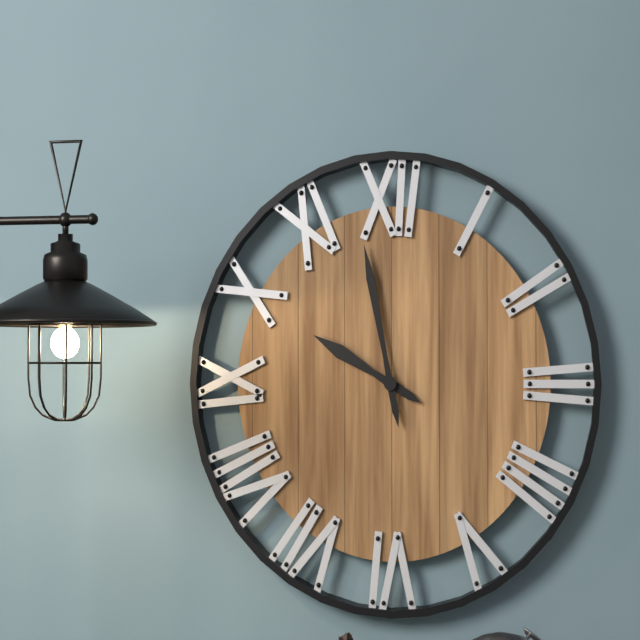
**9:58**
